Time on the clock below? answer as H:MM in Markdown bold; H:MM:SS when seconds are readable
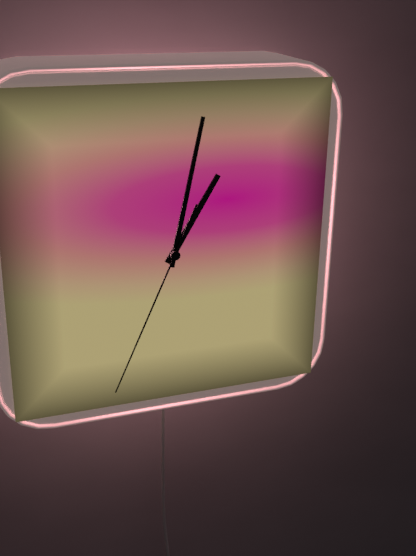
**1:02:34**
